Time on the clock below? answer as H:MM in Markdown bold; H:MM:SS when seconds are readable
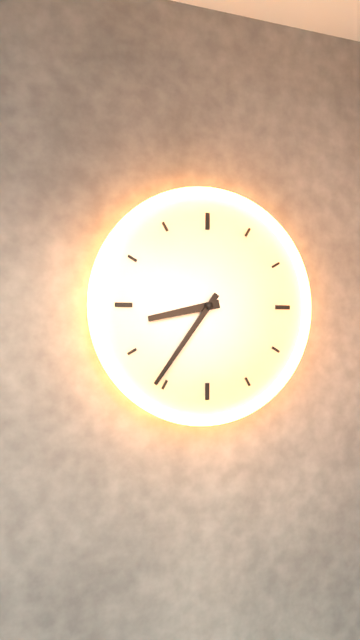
**8:36**
